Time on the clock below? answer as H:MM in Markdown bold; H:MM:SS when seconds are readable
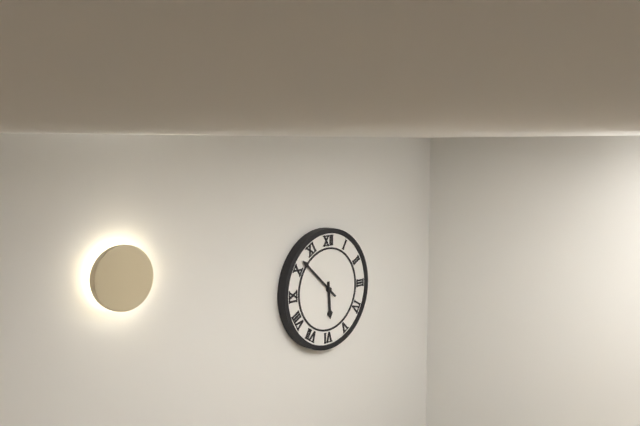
**5:52**
